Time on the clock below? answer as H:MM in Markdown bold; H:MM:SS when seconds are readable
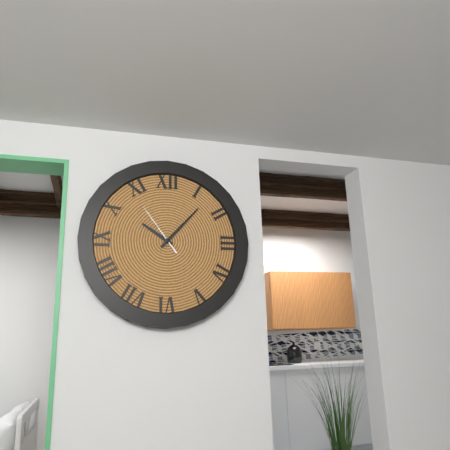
**10:07:54**
